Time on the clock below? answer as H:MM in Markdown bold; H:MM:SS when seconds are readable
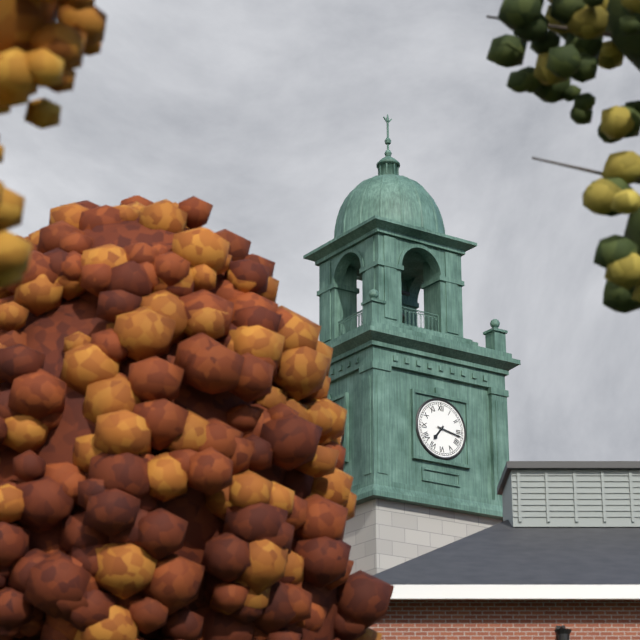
**7:17**
